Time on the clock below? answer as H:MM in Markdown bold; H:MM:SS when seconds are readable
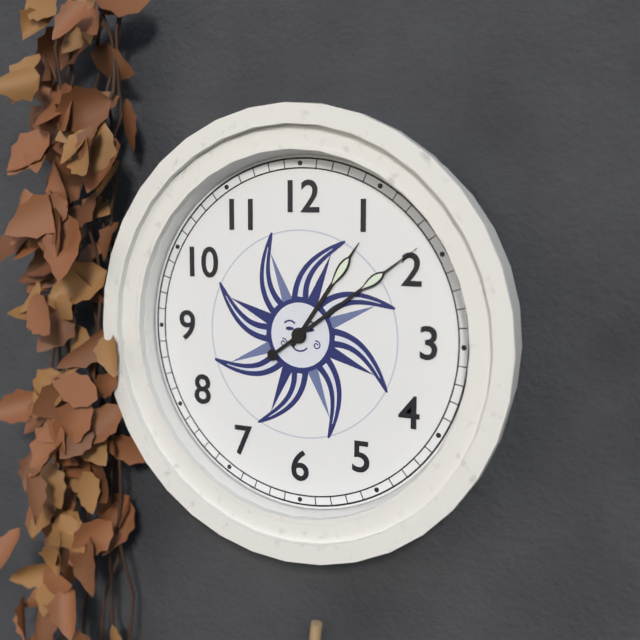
**1:09**
